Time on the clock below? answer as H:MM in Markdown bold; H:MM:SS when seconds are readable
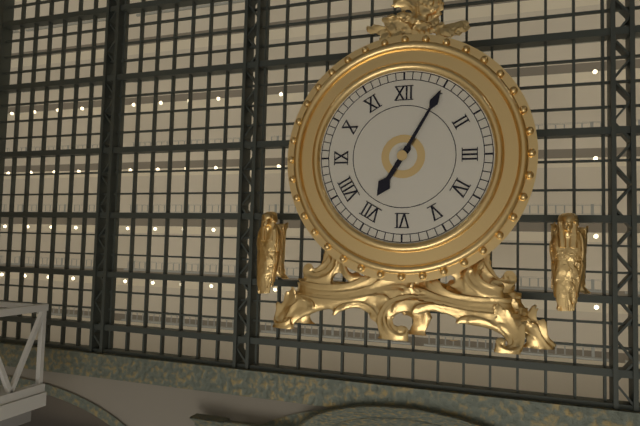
**7:05**
